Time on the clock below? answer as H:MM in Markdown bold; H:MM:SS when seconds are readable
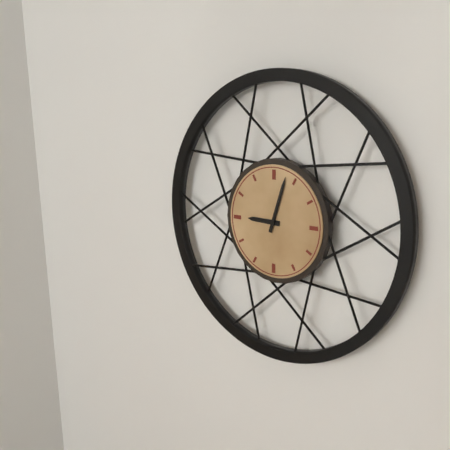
**9:03**
